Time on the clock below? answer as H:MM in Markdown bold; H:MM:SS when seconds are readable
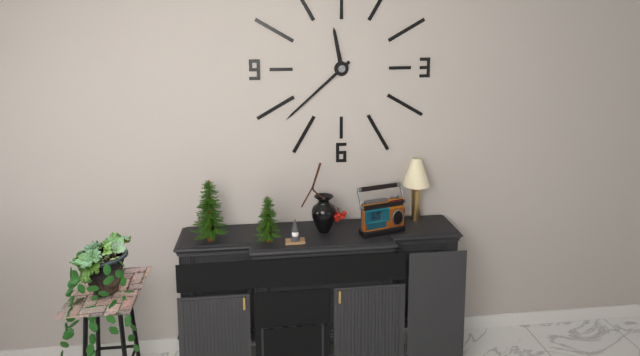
**11:38**
